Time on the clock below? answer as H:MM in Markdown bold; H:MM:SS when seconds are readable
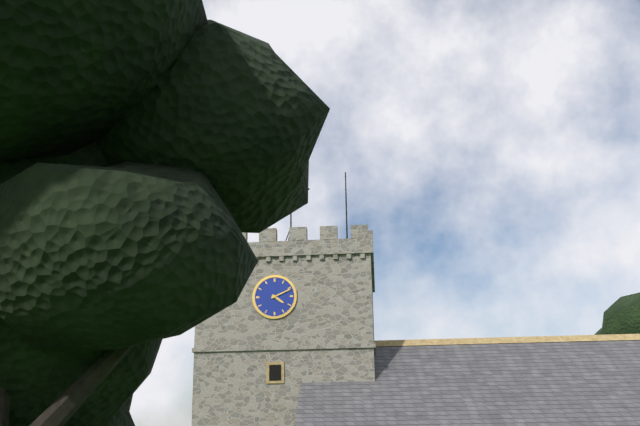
**4:11**
